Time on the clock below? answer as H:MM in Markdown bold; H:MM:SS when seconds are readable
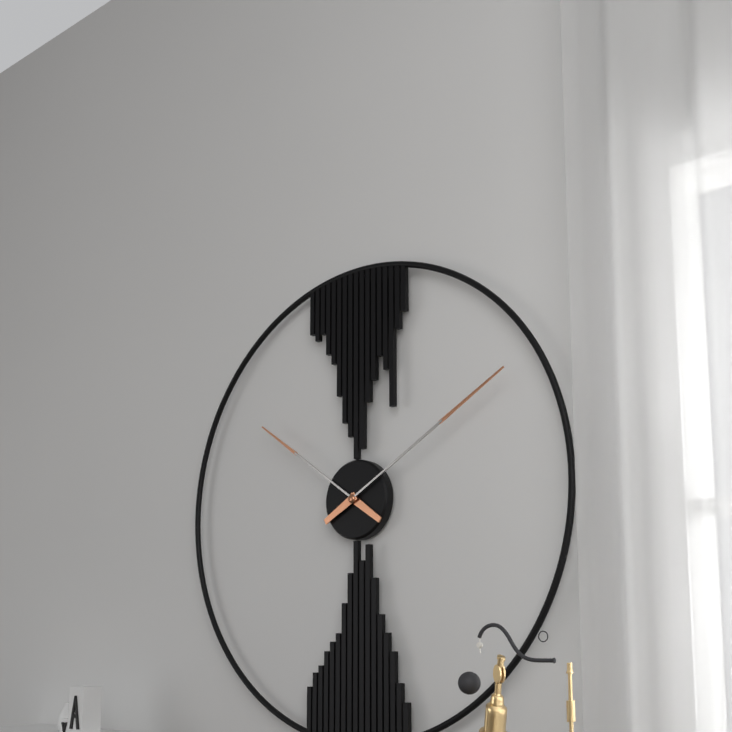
**10:10**
